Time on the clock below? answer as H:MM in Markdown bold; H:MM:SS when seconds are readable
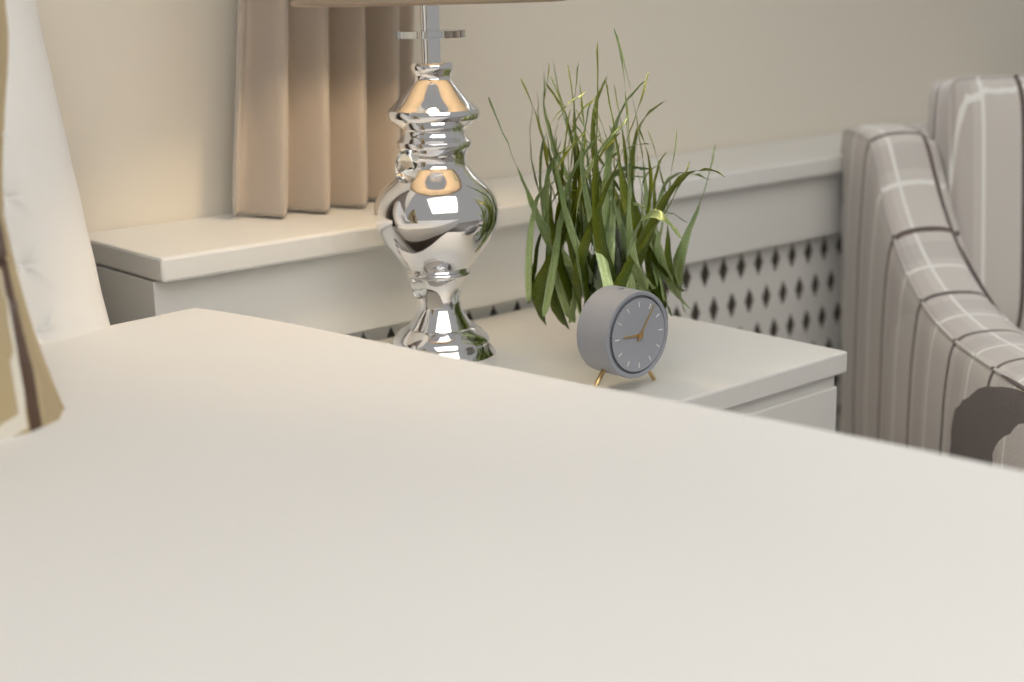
**9:06**
